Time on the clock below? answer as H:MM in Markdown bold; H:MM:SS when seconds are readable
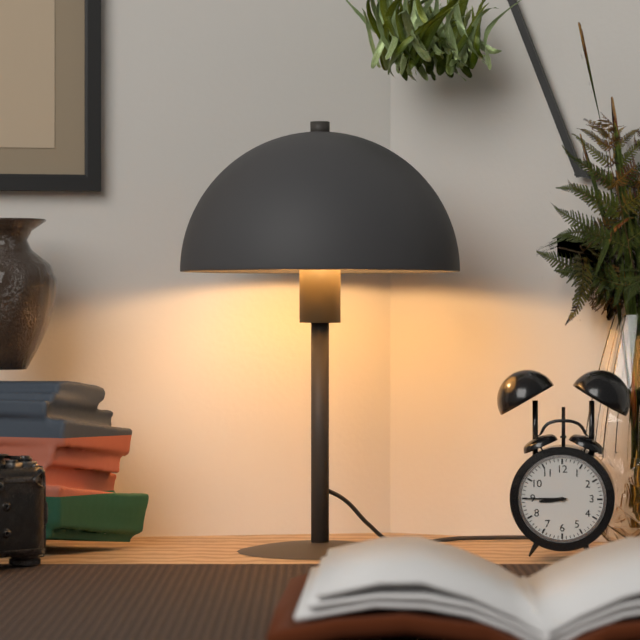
**8:45**
